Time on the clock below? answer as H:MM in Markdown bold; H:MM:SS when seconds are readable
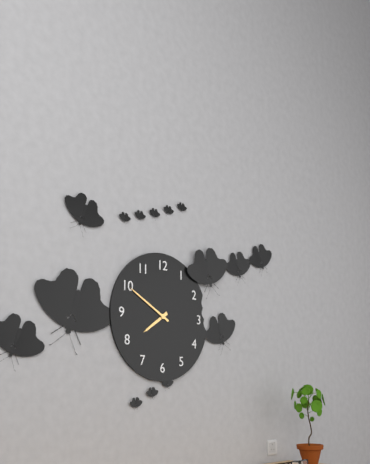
**7:50**
